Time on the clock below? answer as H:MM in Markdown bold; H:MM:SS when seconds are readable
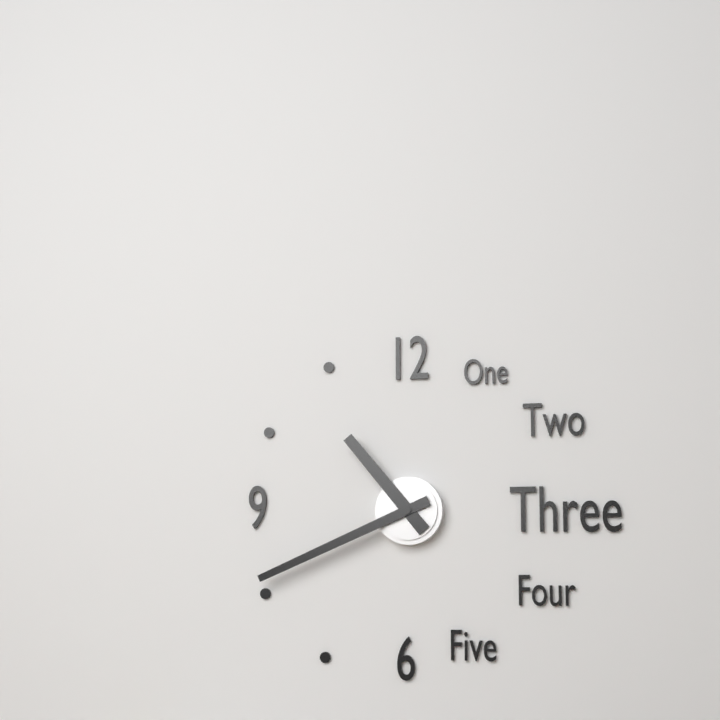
**10:41**
